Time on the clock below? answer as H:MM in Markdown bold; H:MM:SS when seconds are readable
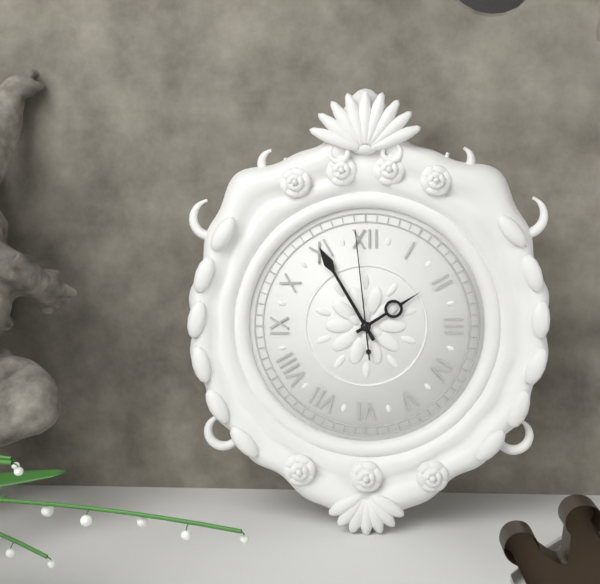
**1:55:59**
